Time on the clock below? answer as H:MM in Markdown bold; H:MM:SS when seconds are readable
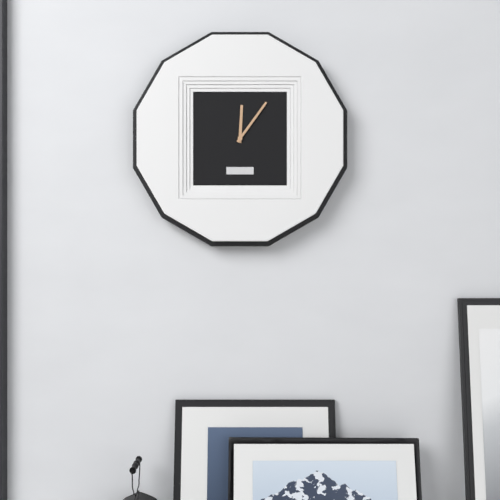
**12:06**
